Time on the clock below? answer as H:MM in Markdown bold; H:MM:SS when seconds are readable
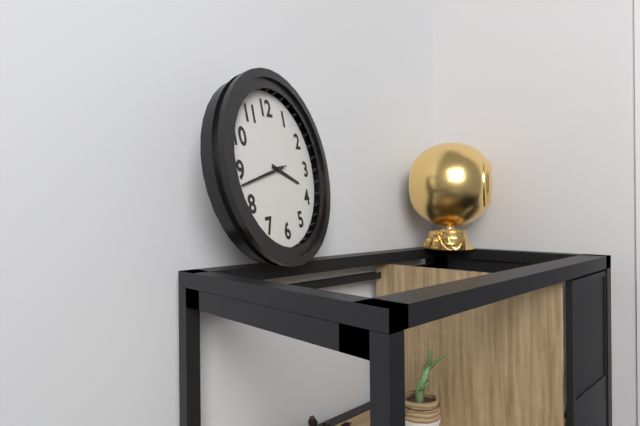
**3:43:43**
